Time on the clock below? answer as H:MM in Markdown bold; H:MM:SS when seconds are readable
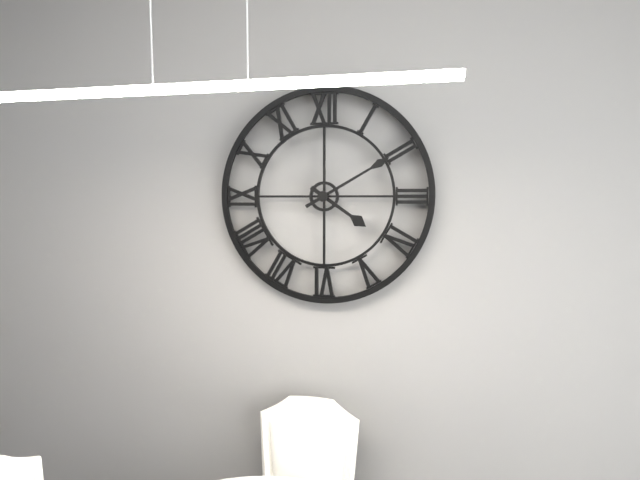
**4:10**
